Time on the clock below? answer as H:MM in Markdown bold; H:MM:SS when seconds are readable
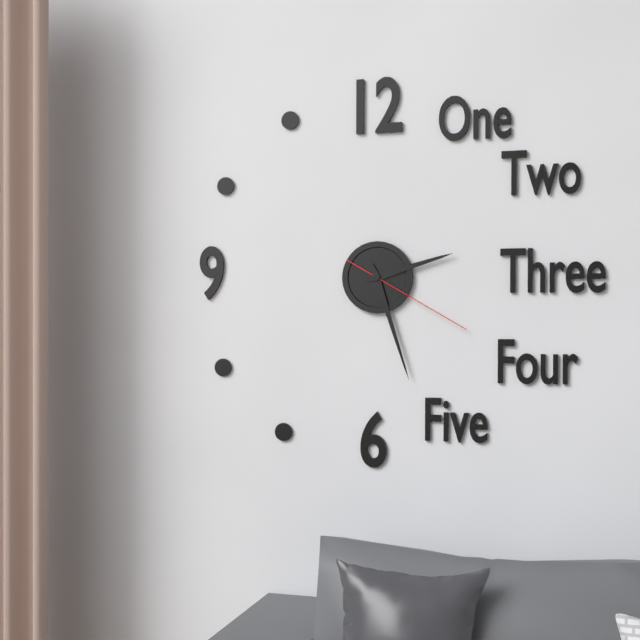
**2:27:20**
